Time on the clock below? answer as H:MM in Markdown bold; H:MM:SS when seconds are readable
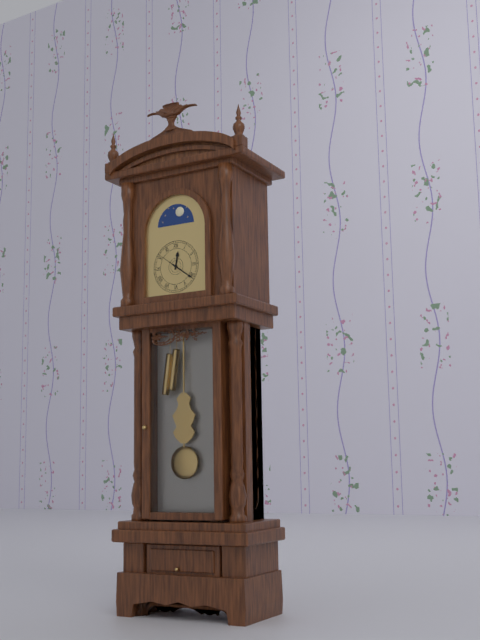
**12:21**
